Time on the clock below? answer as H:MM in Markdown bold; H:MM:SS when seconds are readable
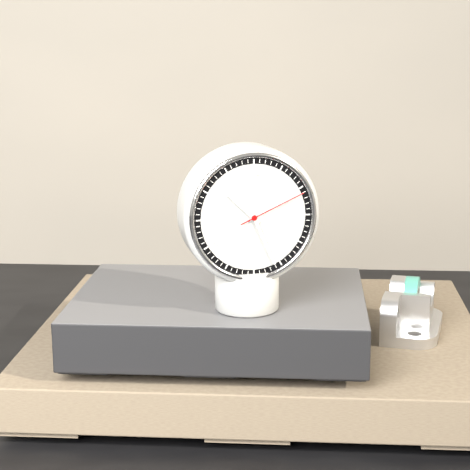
**10:26:11**
